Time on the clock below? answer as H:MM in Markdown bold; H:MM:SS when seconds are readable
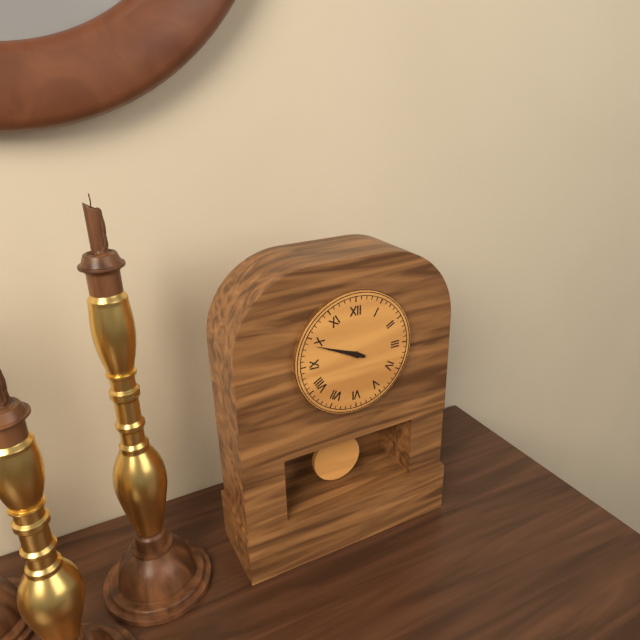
**9:49**
